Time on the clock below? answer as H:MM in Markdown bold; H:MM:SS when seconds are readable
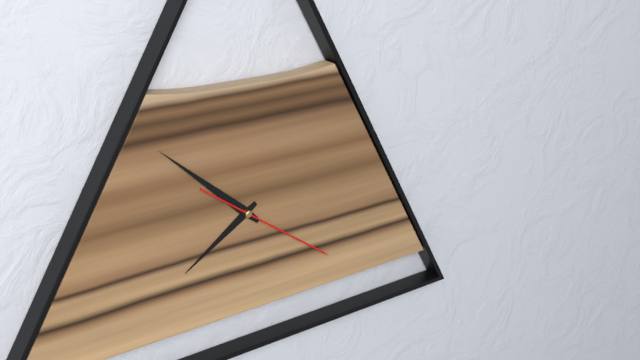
**7:52:21**
